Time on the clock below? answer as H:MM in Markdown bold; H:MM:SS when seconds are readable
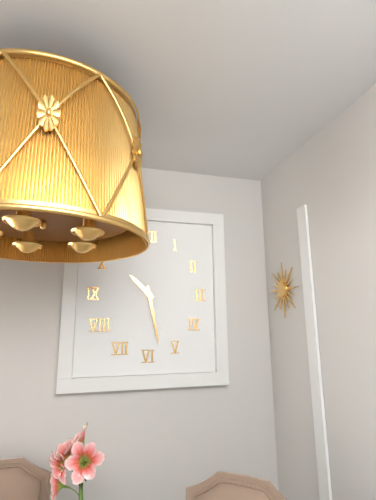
**10:28**
